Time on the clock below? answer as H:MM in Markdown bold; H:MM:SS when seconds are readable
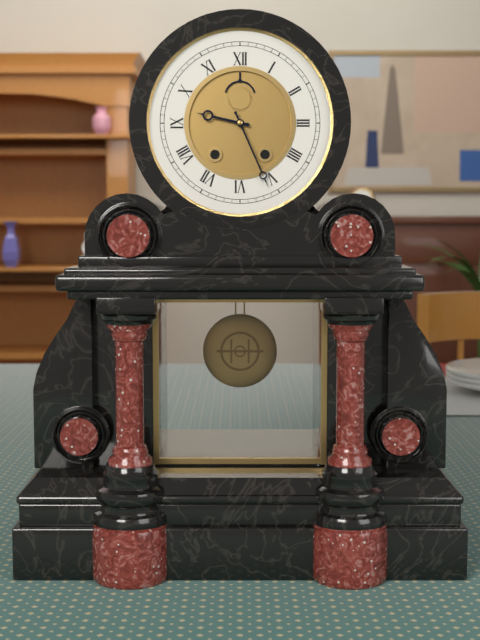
**9:26**
